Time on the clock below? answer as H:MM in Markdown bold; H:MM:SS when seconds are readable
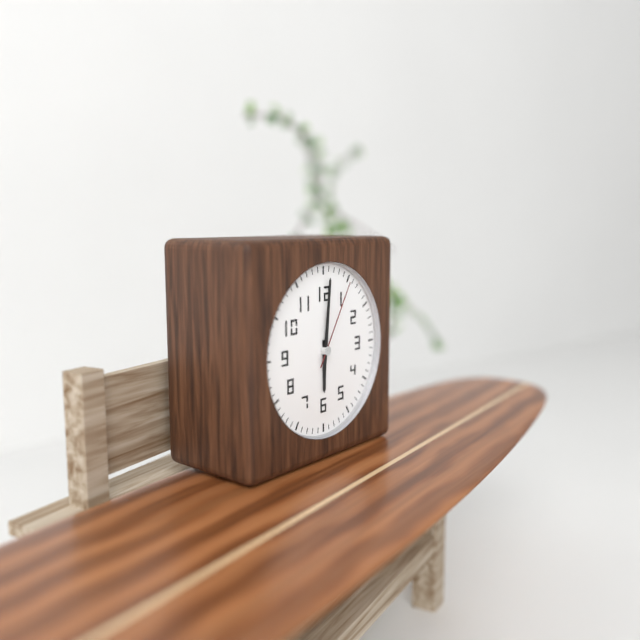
**6:01:05**
